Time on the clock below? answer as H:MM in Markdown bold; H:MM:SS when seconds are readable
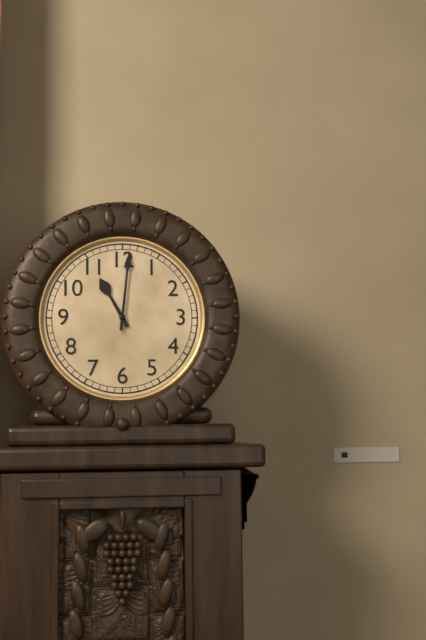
**11:01**
